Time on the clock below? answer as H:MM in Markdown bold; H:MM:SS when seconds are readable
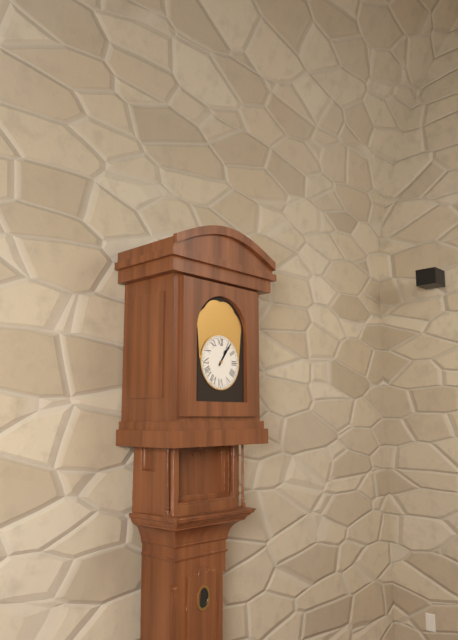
**1:06**
